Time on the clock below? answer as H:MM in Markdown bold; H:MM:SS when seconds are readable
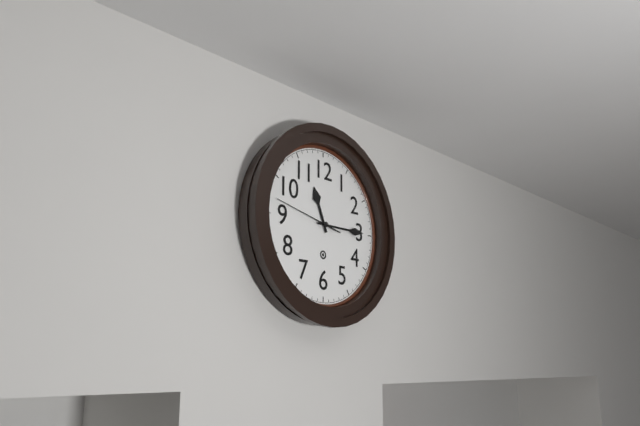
**11:15:47**
